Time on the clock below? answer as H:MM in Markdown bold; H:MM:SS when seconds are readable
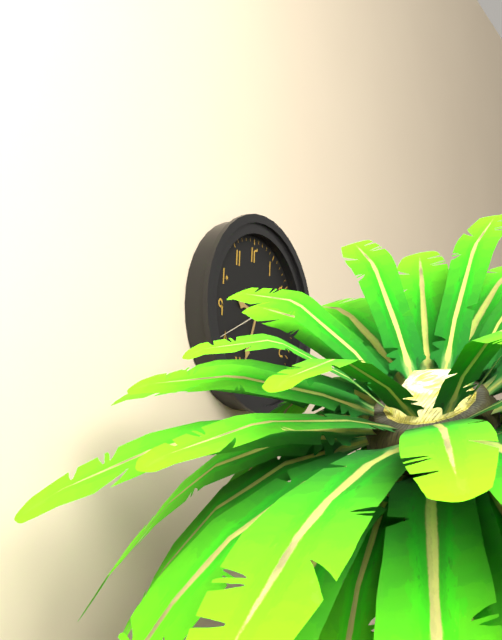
**9:34:41**
